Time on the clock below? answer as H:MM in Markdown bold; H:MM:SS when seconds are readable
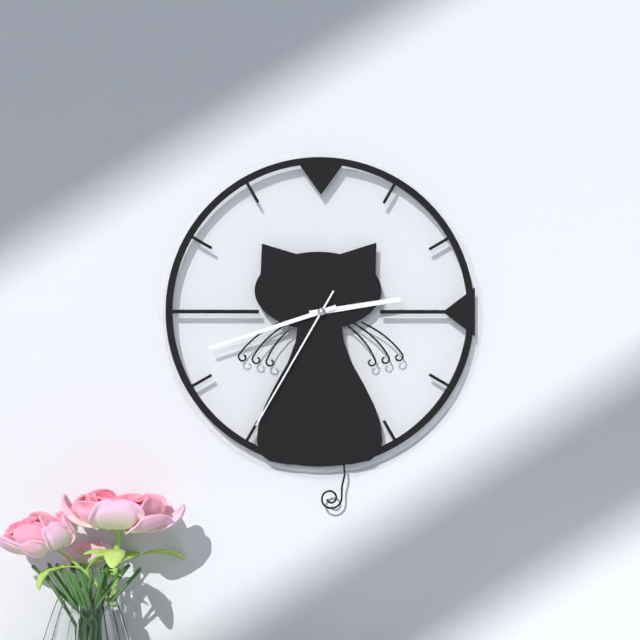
**2:42:35**
